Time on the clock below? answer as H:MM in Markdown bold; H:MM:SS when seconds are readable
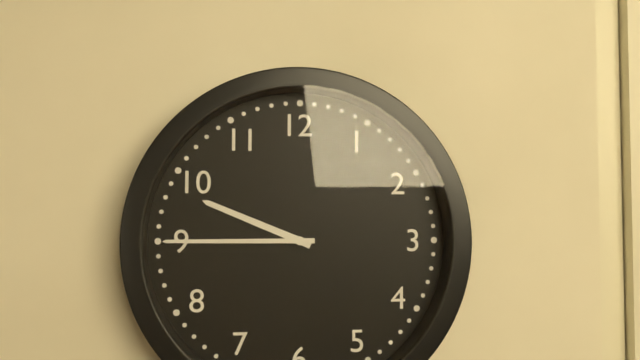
**9:45**
